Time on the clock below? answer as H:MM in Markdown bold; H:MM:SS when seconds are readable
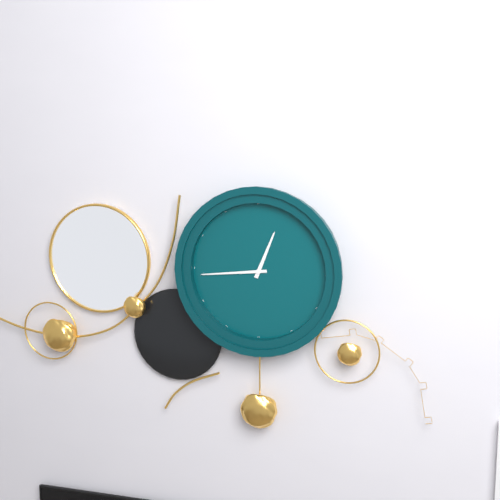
**12:44**
